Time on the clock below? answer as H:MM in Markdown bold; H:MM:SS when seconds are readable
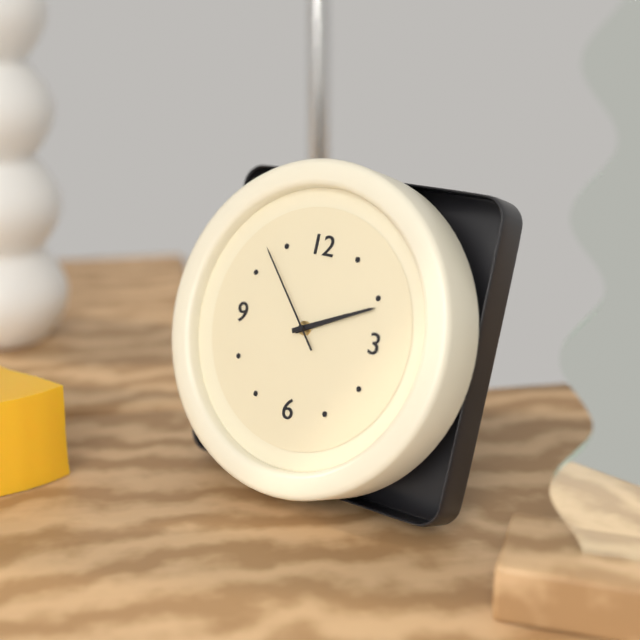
**2:11:53**
